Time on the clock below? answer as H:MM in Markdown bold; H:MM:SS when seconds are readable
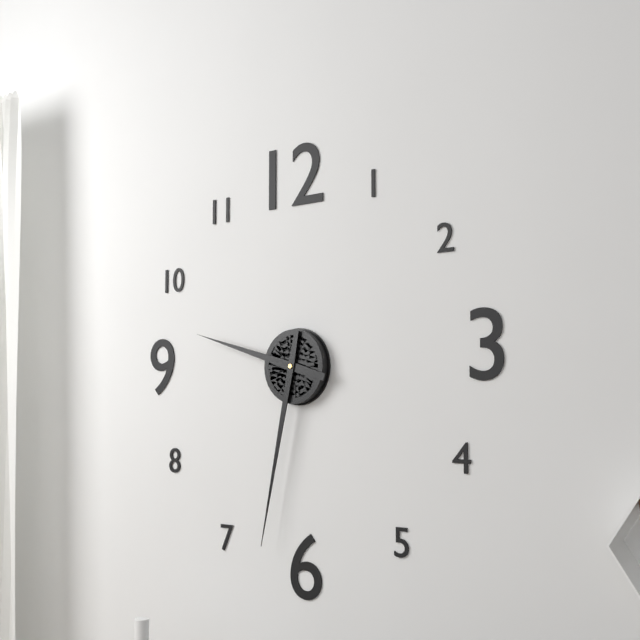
**9:32**
